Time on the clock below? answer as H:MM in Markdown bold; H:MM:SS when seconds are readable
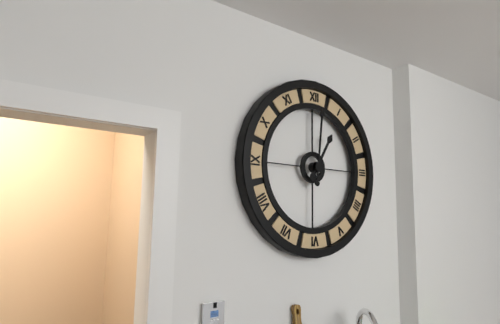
**1:01**
